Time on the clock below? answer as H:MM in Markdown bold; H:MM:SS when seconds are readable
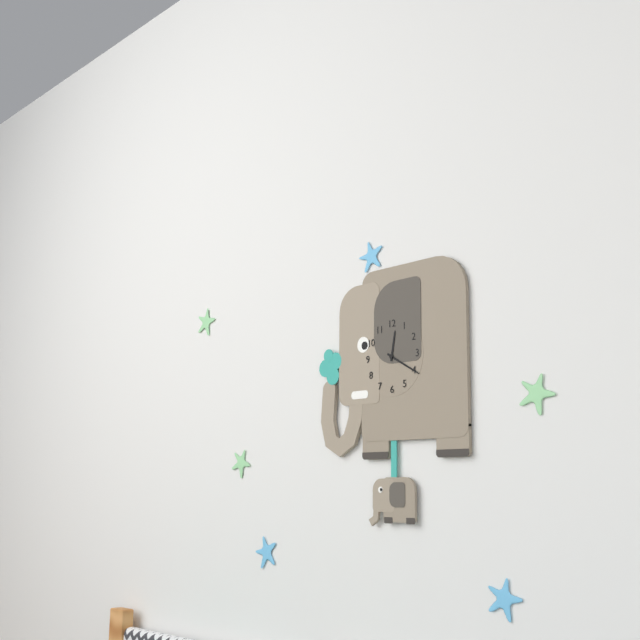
**12:20**
